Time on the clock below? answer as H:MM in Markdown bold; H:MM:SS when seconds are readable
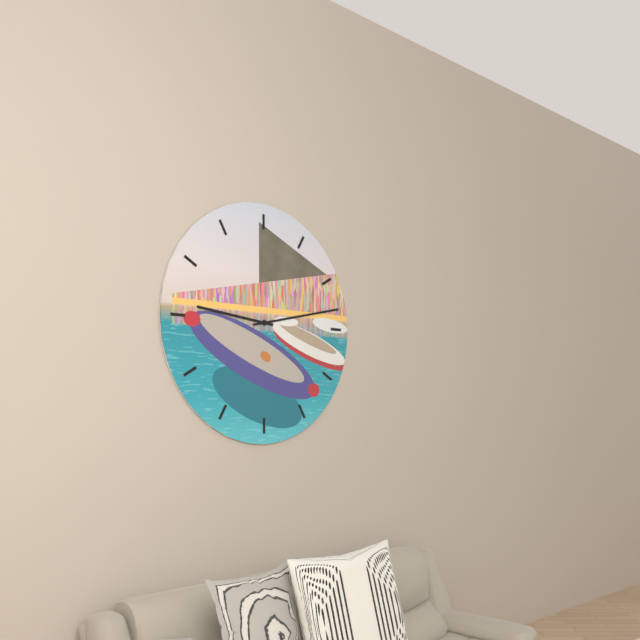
**9:13**
